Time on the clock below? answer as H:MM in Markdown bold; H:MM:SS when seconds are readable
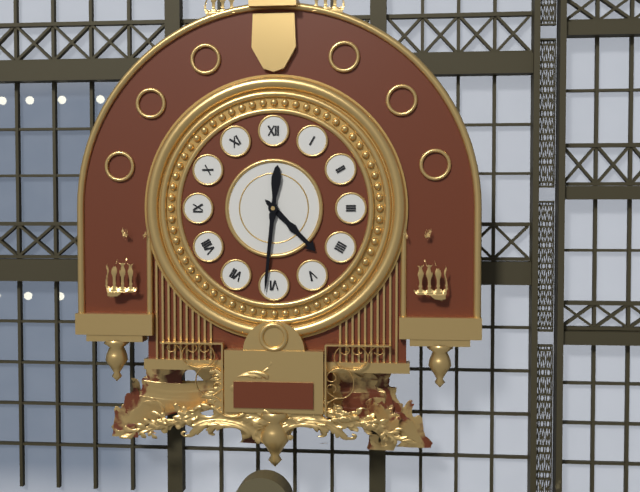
**4:31**
